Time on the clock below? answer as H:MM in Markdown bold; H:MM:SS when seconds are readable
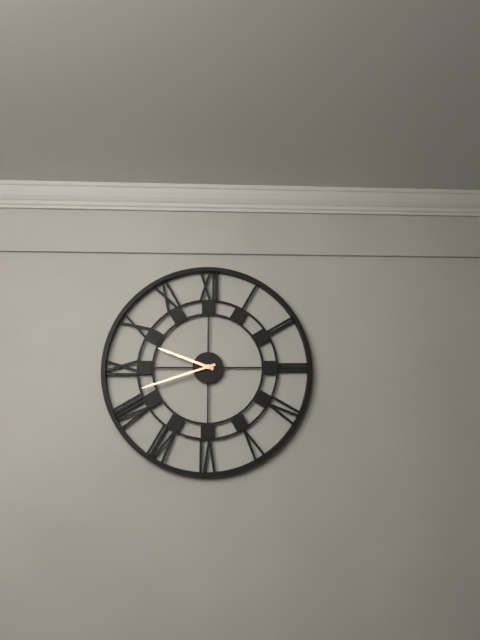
**9:42**
